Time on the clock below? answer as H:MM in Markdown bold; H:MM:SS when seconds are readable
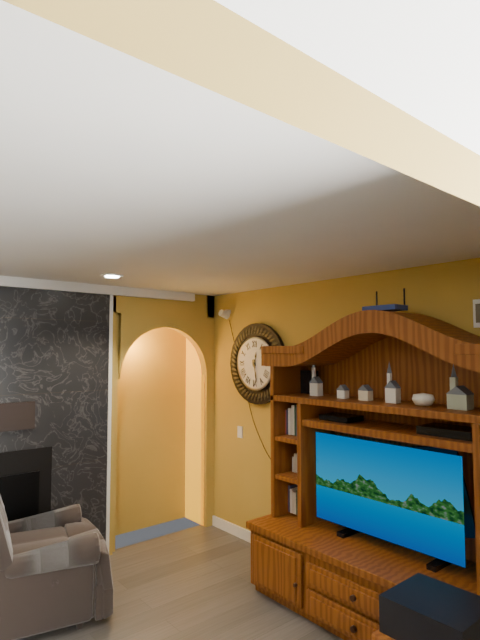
**12:28**
